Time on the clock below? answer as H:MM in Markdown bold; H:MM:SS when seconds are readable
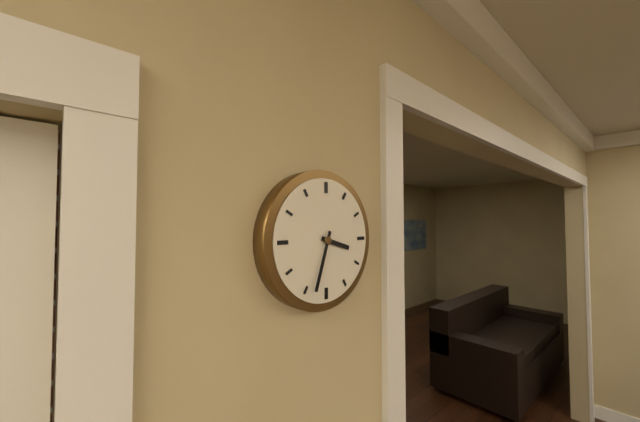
**3:33**
